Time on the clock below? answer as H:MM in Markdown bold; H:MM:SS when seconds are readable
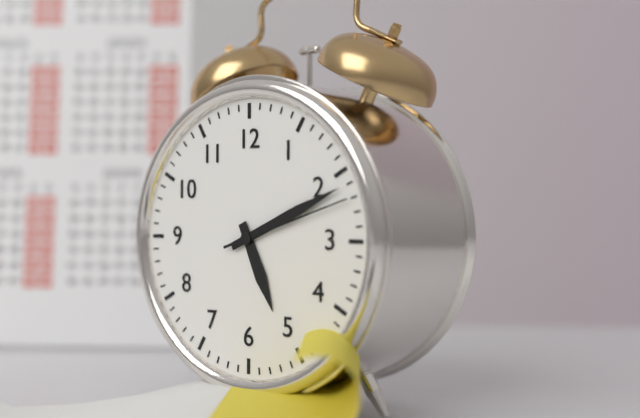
**5:11:12**
